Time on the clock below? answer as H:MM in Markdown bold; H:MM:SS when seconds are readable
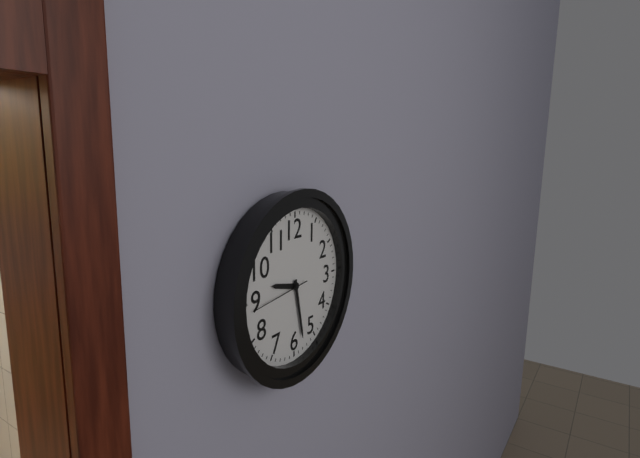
**9:28:44**
